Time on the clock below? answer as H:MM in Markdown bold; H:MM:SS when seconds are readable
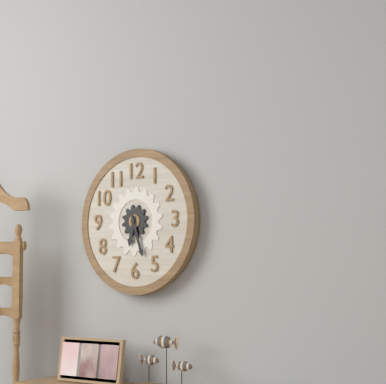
**6:27**
